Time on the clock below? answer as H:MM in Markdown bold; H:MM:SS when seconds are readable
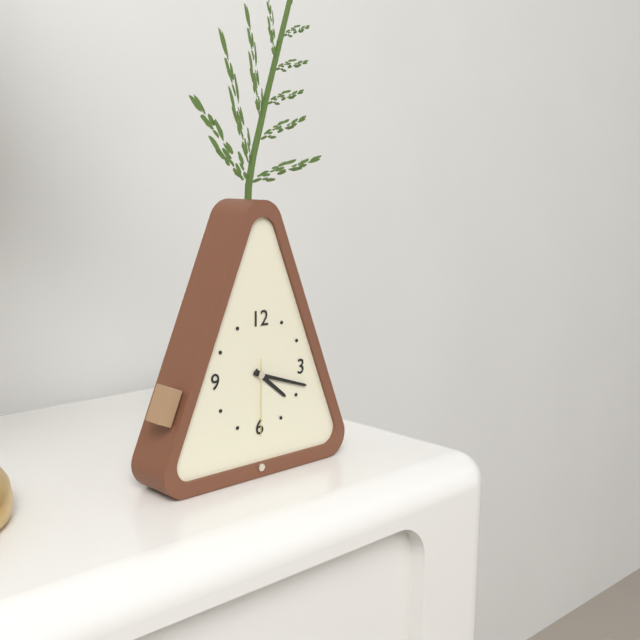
**4:18:30**
